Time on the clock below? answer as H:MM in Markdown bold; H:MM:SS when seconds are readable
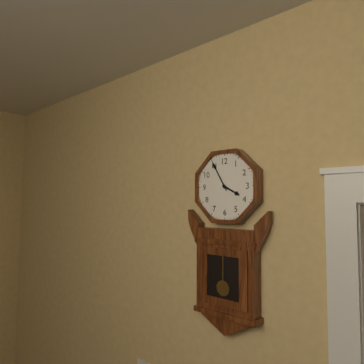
**3:55**
